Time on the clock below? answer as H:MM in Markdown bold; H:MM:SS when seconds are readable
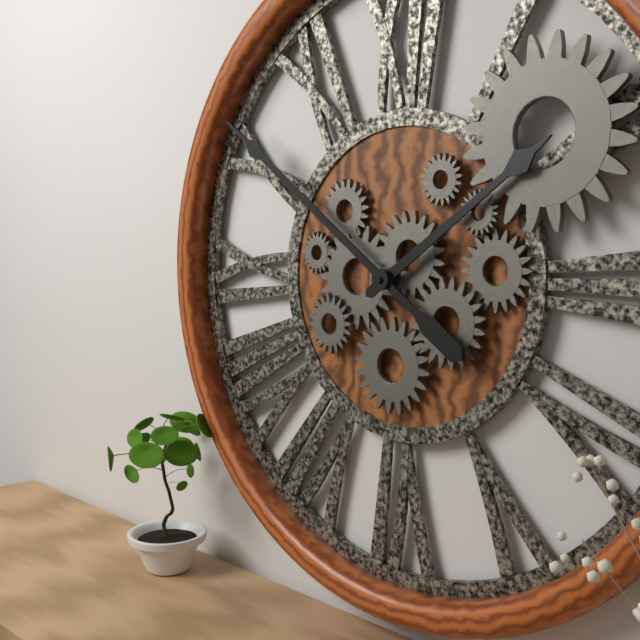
**1:51**
